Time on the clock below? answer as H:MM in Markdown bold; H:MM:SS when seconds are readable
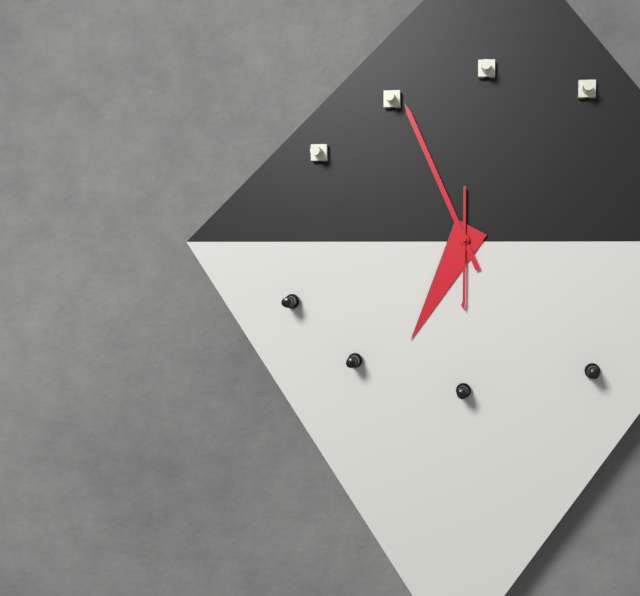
**6:56:30**
